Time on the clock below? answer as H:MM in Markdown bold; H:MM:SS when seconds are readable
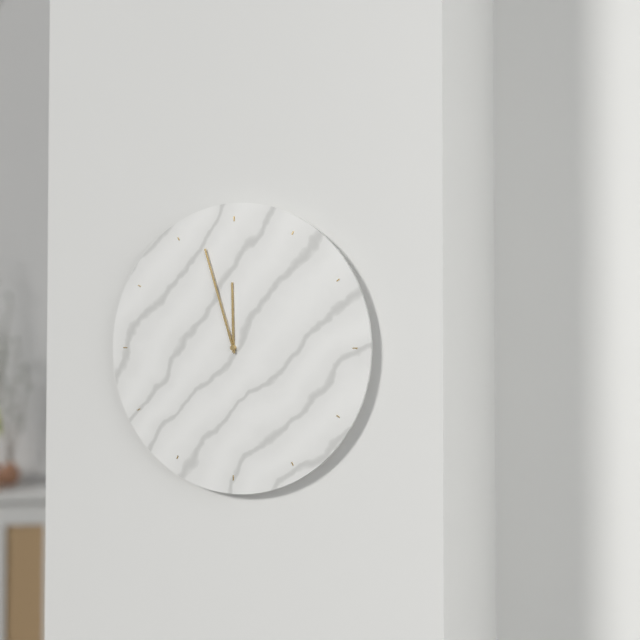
**11:57**
